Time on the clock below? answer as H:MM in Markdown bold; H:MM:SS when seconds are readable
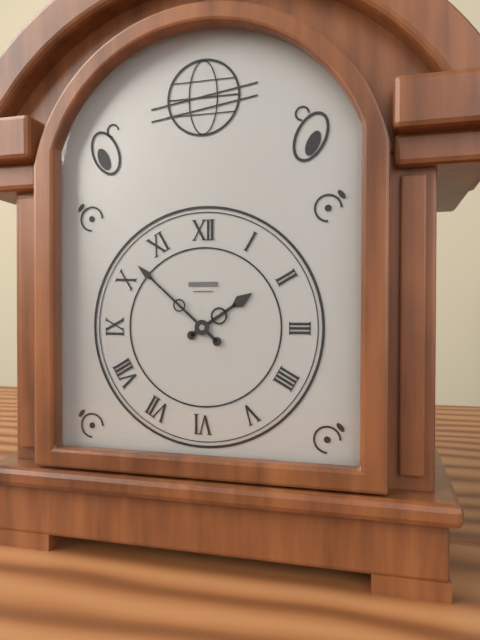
**1:52**
